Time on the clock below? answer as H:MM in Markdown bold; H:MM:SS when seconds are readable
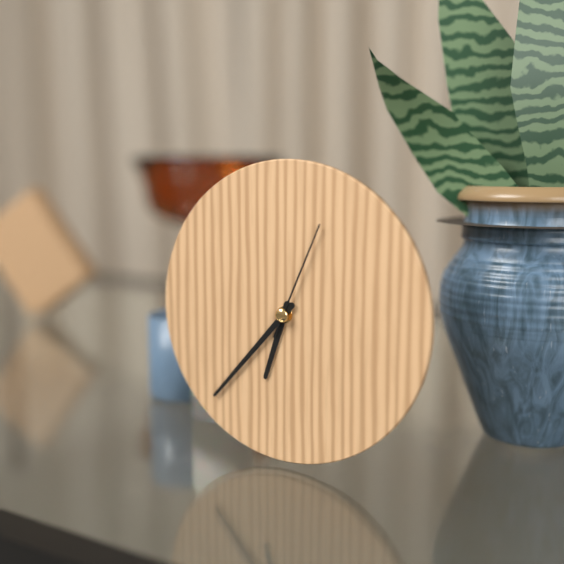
**6:37:04**
